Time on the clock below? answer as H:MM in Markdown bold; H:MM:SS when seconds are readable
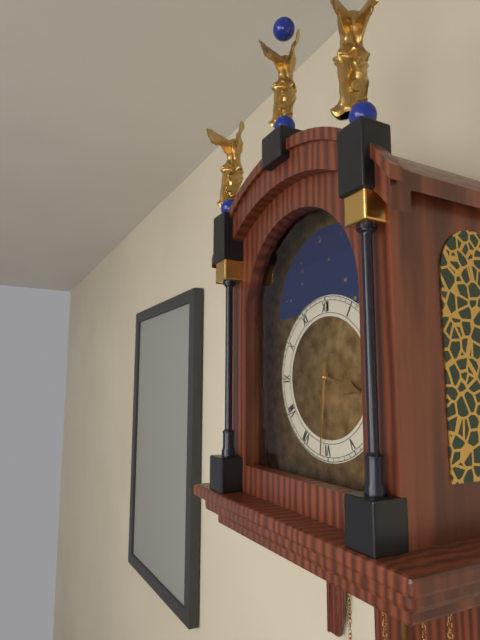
**3:31**
